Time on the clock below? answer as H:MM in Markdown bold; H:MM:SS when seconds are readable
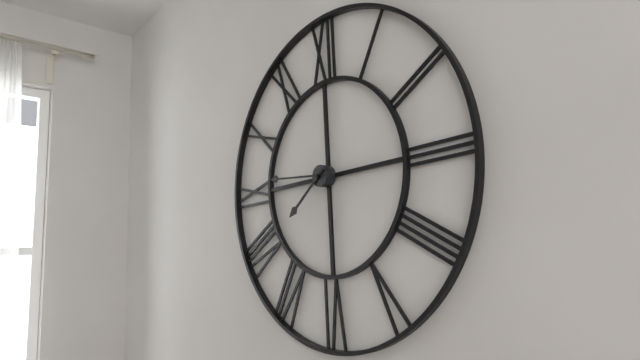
**7:46**
